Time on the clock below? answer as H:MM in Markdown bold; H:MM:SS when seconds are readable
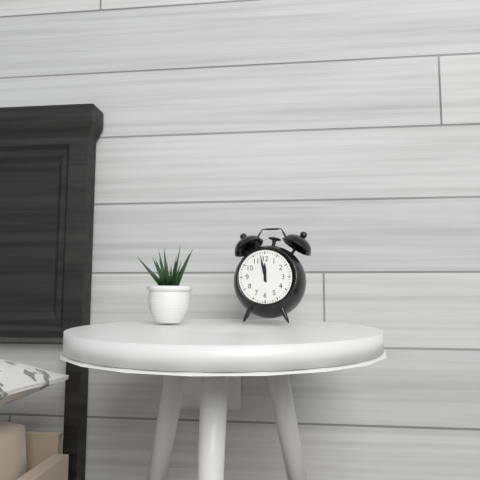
**11:58**
